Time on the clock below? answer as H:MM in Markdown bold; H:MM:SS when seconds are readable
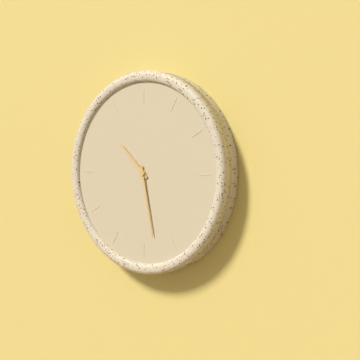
**10:28**
